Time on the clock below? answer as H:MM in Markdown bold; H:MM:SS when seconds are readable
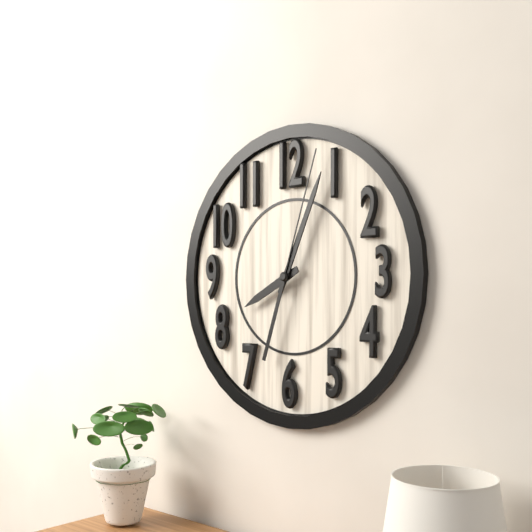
**8:04:03**
